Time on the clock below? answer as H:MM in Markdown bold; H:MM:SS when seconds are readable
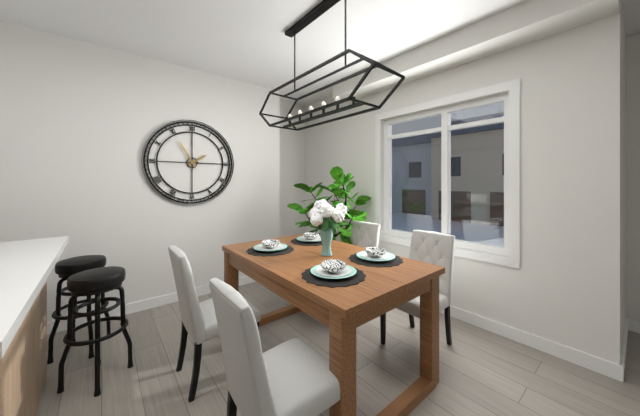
**1:55**
